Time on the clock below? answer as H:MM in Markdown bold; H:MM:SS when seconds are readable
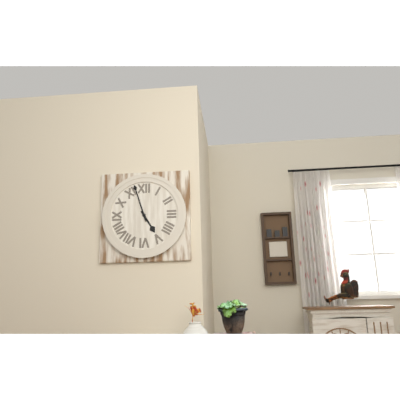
**4:57**
